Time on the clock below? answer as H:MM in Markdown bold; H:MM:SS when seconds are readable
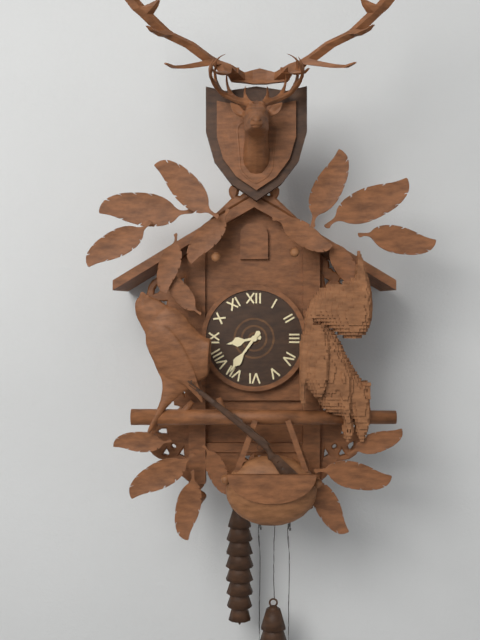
**8:36**
